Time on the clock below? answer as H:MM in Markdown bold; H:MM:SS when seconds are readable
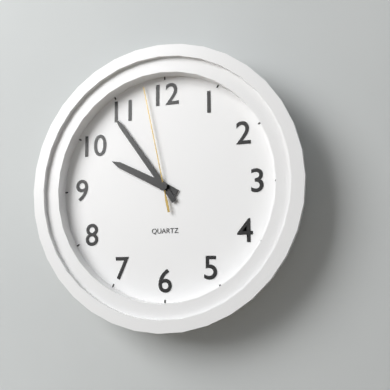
**9:54:58**
